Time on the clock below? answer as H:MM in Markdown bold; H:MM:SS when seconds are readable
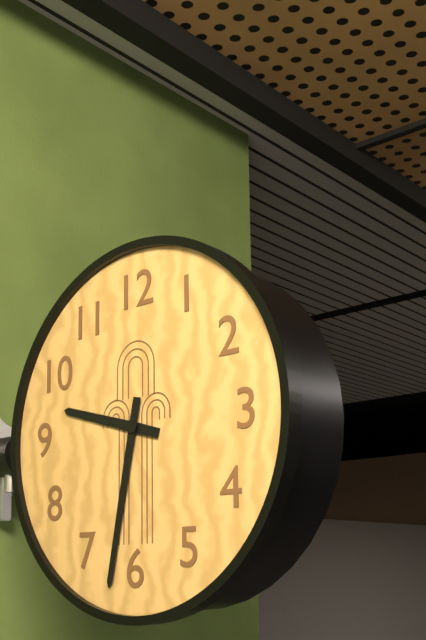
**9:32**
